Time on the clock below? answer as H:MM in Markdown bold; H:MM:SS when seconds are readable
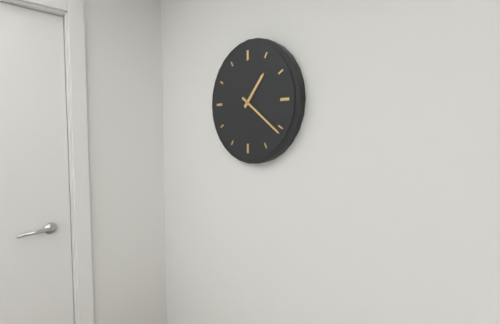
**1:21**
